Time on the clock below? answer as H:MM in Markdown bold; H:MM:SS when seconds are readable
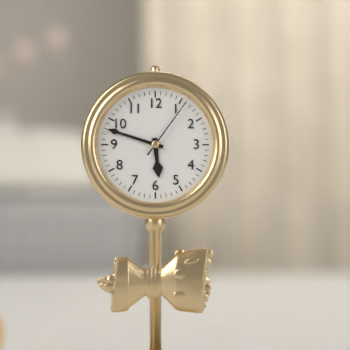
**5:48:06**
